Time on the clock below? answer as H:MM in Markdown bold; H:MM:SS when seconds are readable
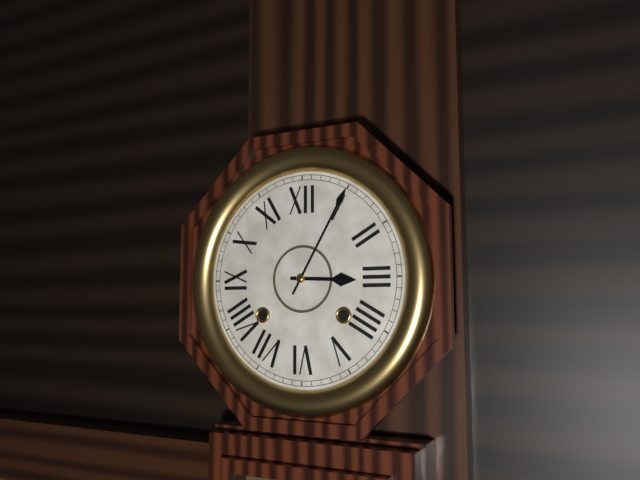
**3:05**
